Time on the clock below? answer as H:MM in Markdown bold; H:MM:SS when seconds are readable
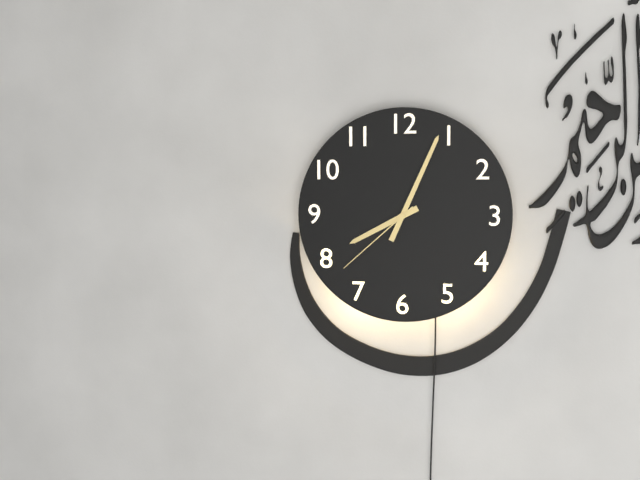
**8:04:38**
